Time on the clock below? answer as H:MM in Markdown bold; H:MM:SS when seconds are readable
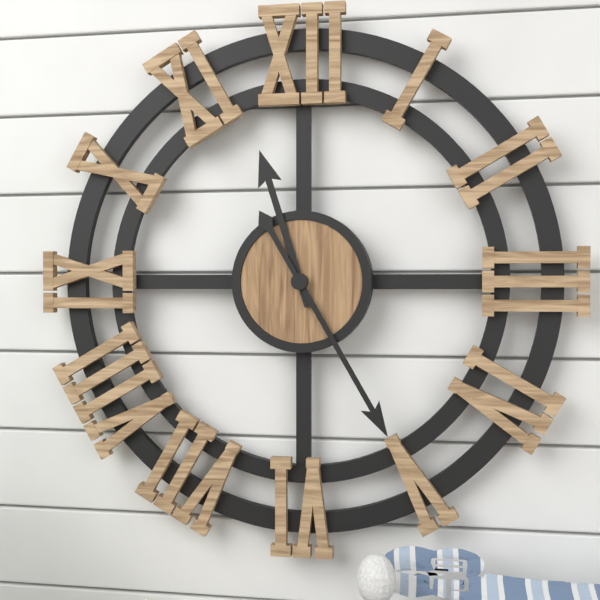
**11:25**
